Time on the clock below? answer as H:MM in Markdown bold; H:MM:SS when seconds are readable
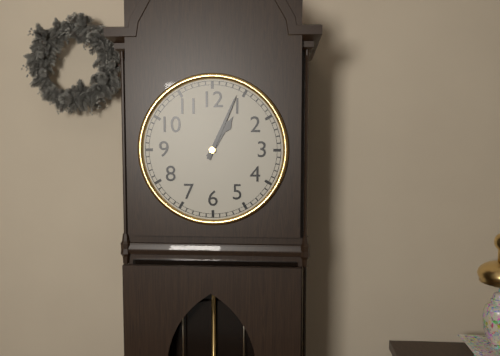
**1:04**
